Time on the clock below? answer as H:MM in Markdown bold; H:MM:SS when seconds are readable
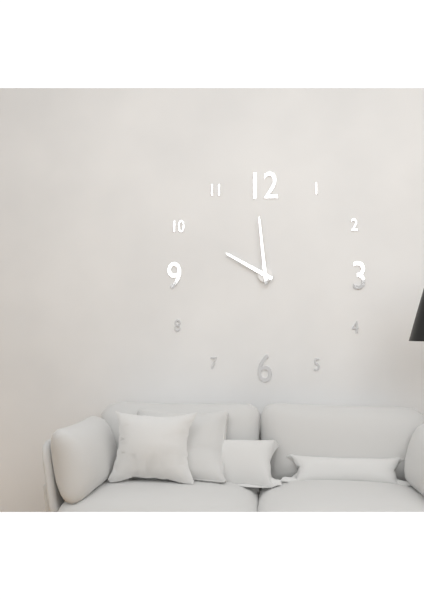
**9:59**
